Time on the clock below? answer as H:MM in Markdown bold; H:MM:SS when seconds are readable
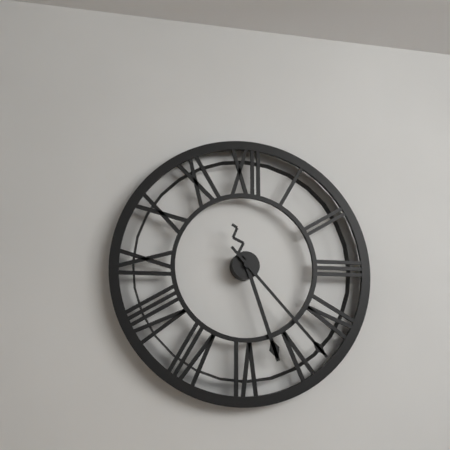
**5:23**
